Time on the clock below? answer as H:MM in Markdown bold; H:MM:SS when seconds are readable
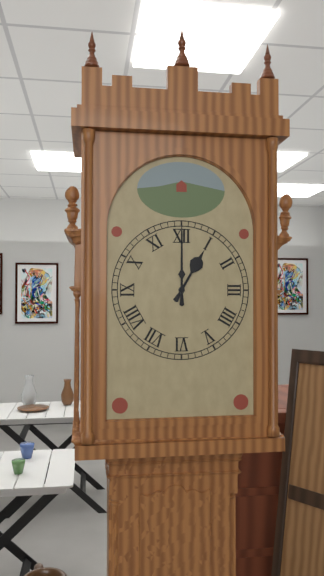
**1:00**
